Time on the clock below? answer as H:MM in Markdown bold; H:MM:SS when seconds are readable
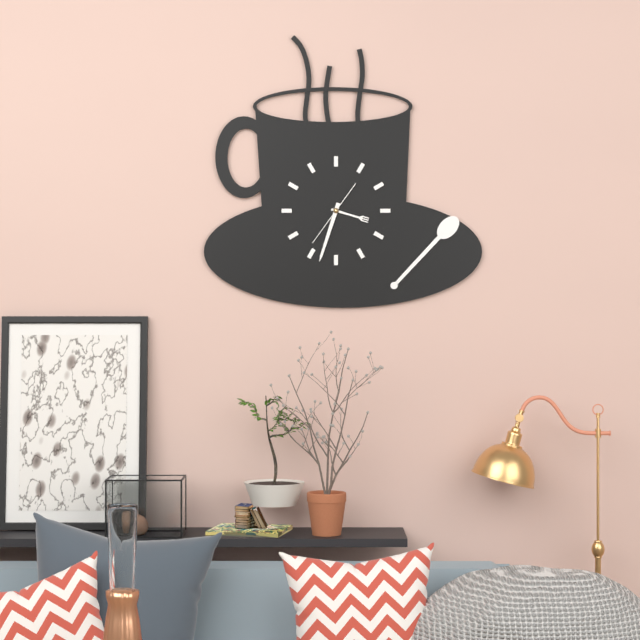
**3:33**
